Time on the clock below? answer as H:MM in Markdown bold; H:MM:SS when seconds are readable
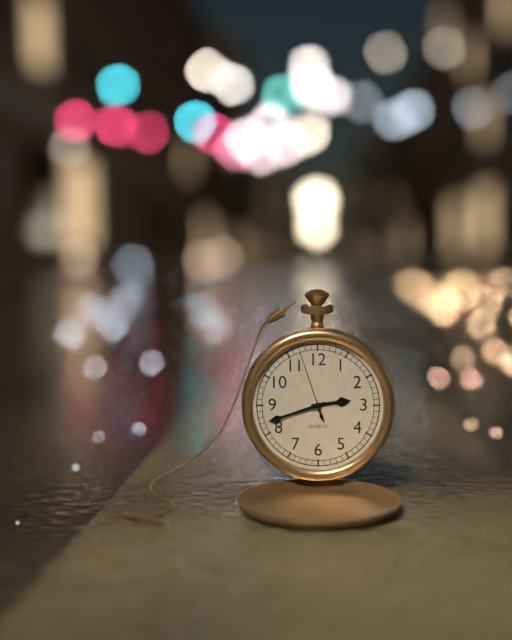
**2:42:57**
